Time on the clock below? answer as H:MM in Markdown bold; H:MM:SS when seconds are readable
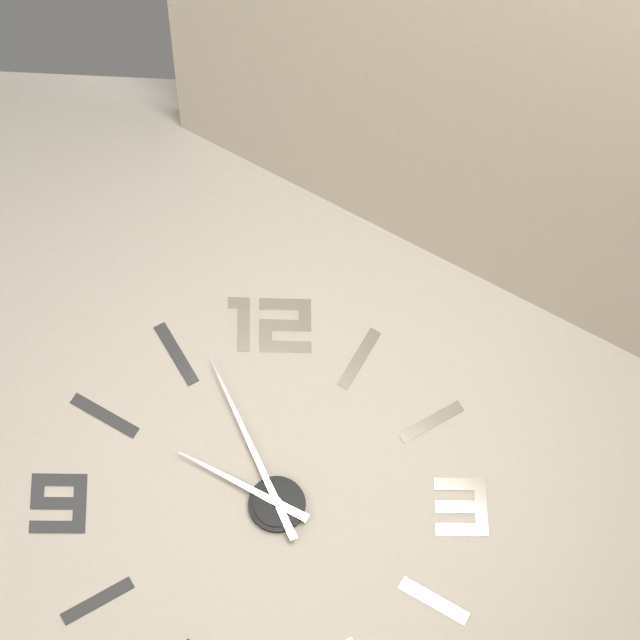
**9:56**
